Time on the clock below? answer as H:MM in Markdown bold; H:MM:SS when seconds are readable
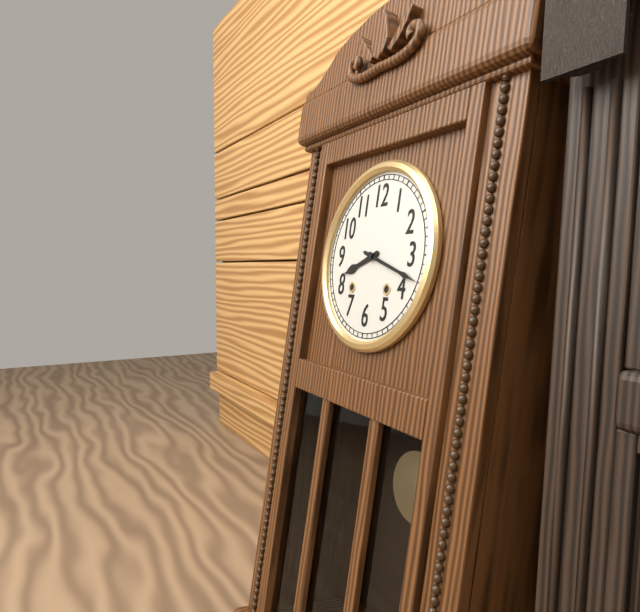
**8:18**
